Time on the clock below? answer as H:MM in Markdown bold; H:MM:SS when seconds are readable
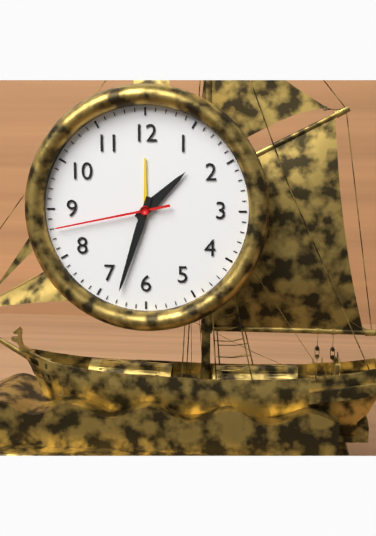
**1:33:43**
